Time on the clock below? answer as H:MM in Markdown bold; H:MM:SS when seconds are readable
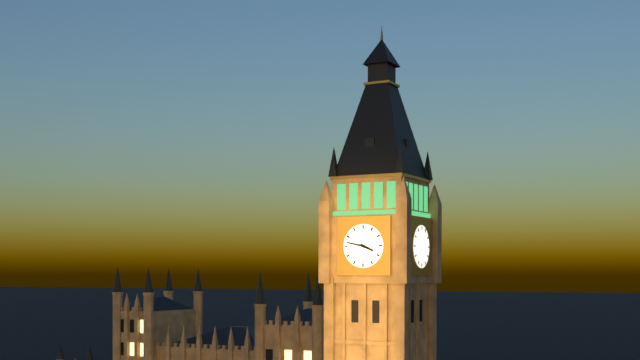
**3:47**
